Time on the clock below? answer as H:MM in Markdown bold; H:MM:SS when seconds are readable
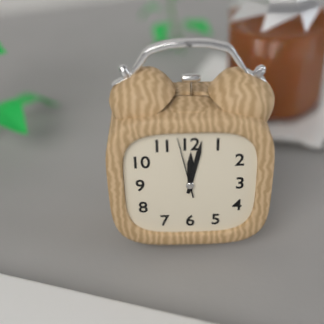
**12:02:58**
